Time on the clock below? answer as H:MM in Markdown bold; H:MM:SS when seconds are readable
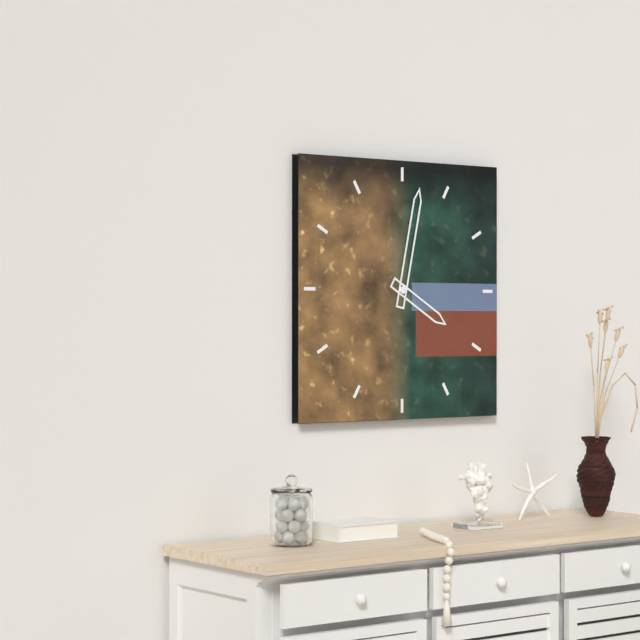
**4:02**
